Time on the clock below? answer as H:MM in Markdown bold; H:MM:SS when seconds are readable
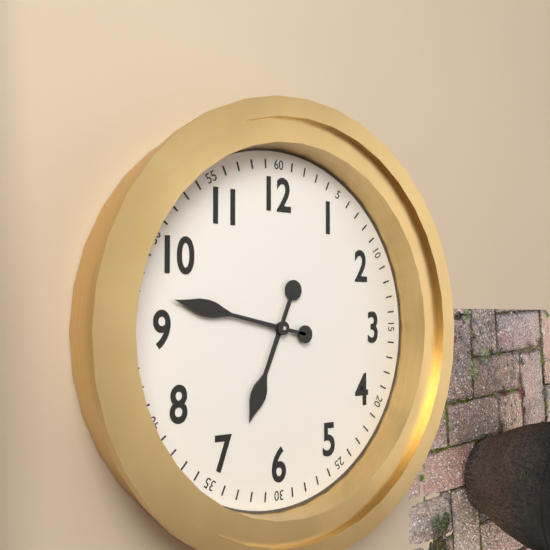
**6:47**
